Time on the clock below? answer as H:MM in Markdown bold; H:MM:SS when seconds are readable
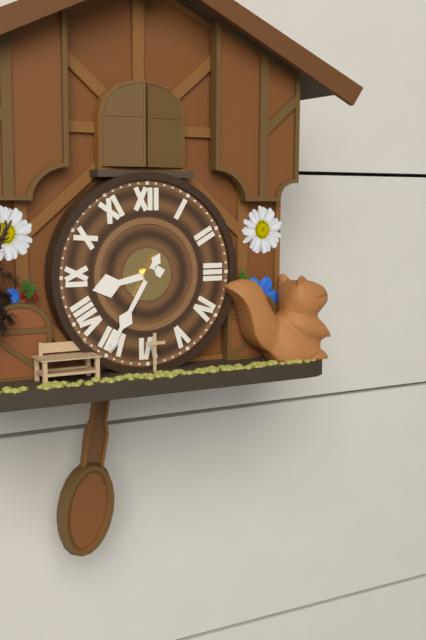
**8:35**
